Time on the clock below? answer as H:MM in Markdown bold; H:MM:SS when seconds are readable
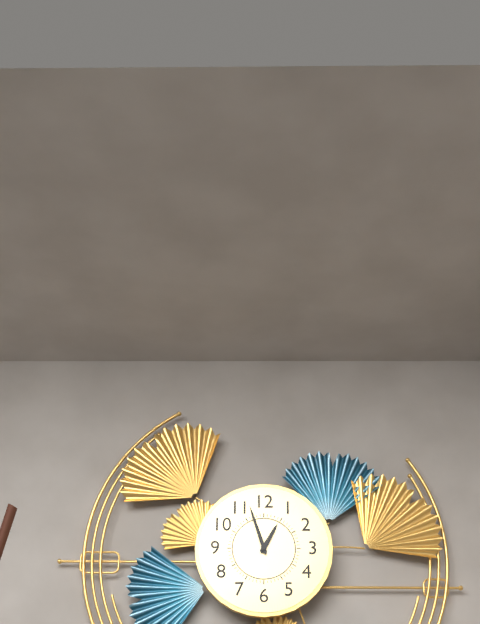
**12:57**
